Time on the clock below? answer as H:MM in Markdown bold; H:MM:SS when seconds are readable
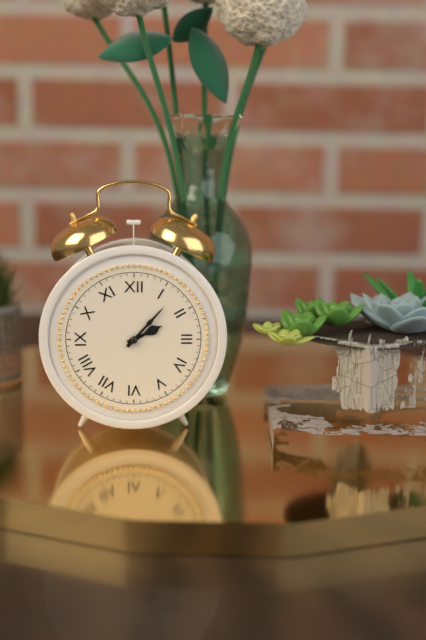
**2:07**
